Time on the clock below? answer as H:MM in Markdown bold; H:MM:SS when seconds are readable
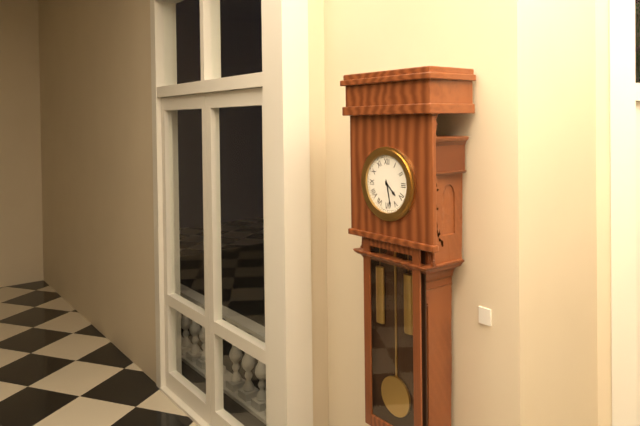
**4:28**
